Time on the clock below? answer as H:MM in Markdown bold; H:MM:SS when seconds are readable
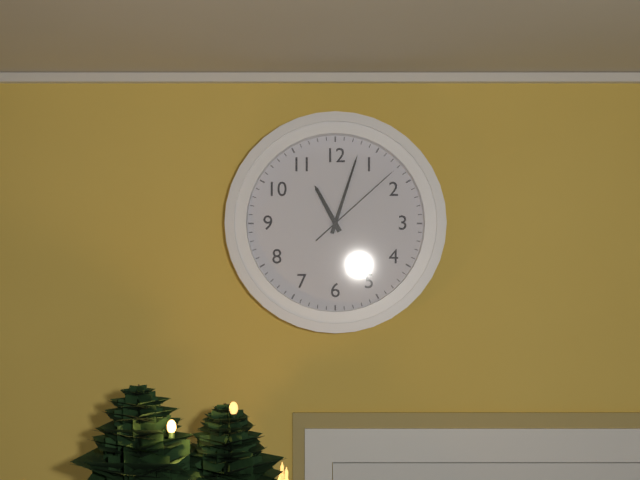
**11:03:08**
